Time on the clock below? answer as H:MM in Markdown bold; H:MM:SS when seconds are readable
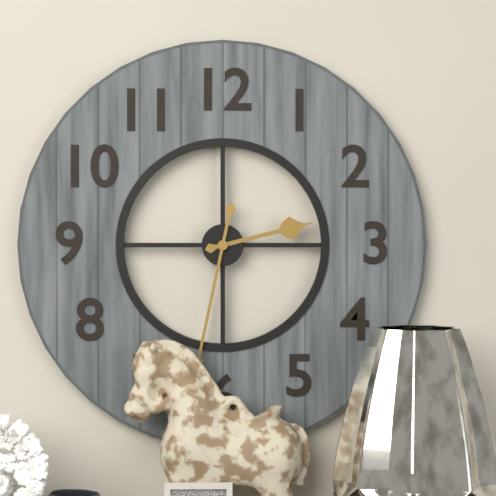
**2:32**
